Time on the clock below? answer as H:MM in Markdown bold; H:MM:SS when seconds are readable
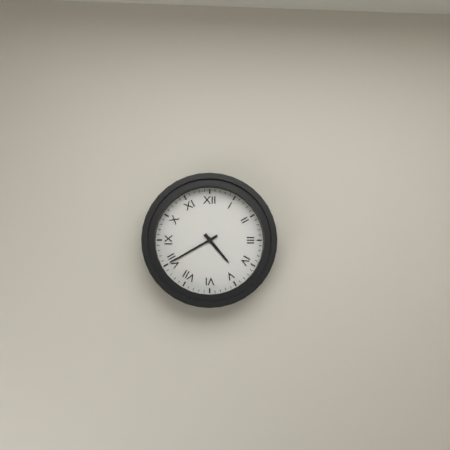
**4:40**
